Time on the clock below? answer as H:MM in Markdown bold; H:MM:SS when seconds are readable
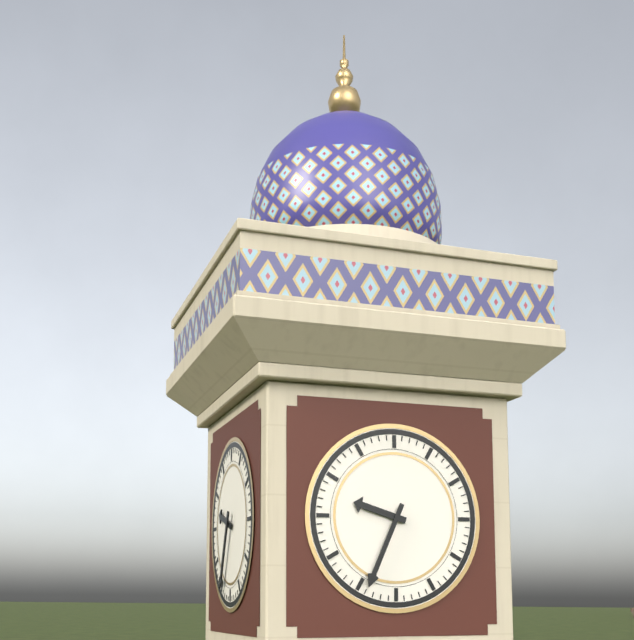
**9:34**
